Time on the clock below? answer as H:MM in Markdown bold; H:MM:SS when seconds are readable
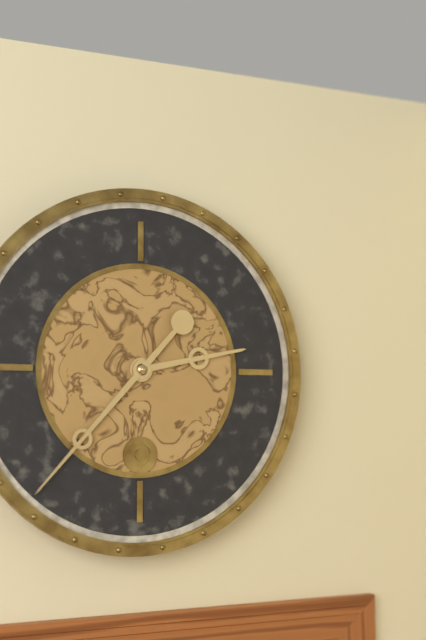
**2:37**
